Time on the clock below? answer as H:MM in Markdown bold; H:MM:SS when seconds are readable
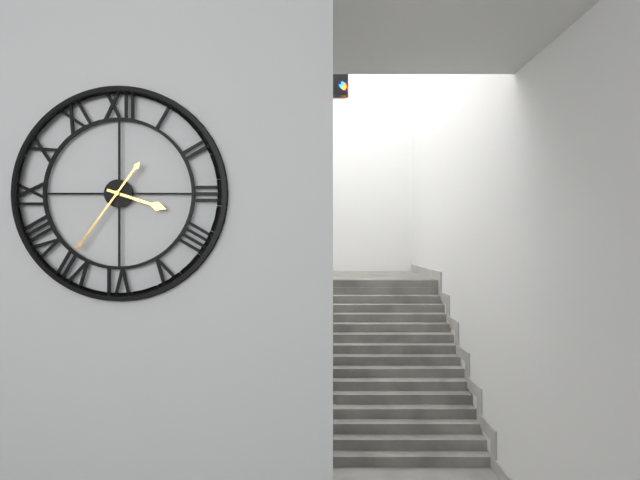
**3:36**
